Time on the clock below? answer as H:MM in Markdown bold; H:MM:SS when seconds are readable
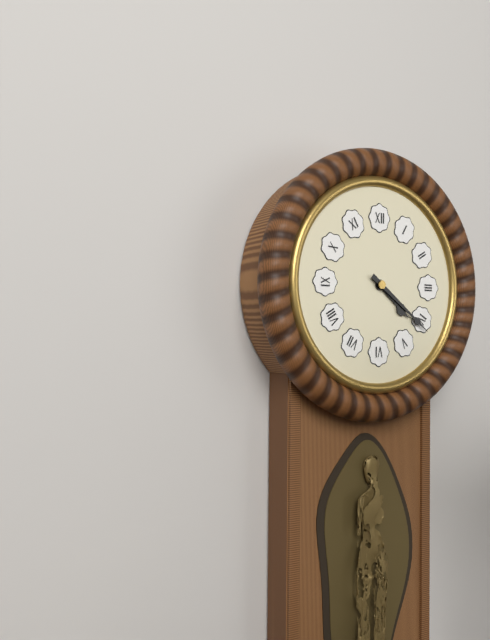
**4:21**
